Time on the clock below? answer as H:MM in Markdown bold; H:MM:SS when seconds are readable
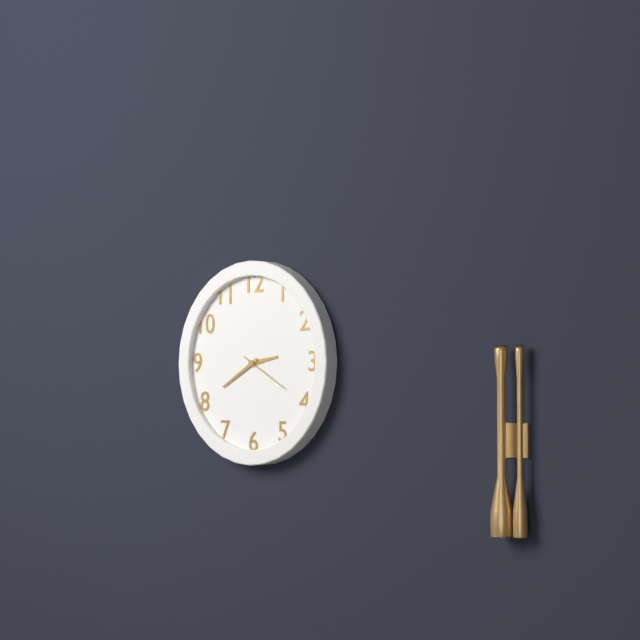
**2:40:20**
